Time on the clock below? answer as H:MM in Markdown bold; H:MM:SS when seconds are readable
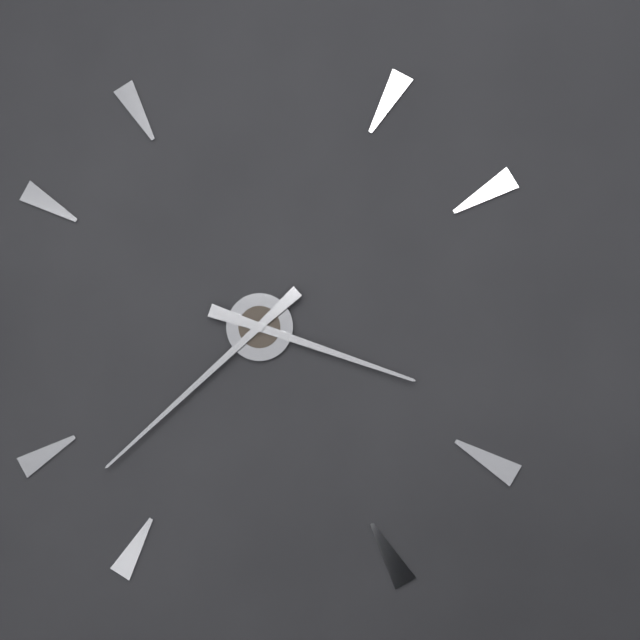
**3:38**
